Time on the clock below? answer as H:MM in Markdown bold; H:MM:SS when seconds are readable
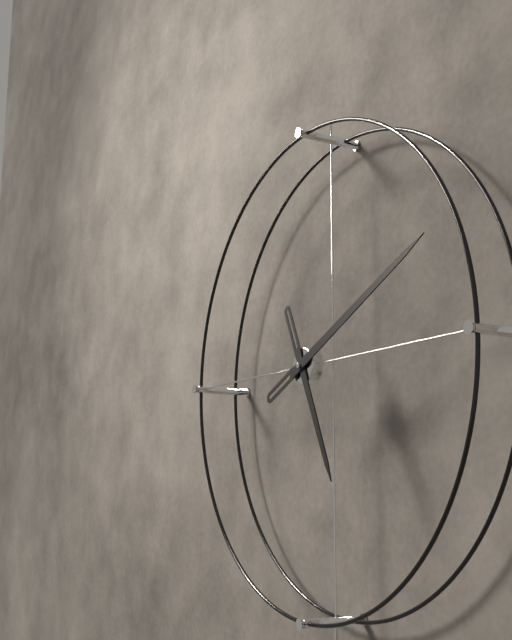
**5:11**
